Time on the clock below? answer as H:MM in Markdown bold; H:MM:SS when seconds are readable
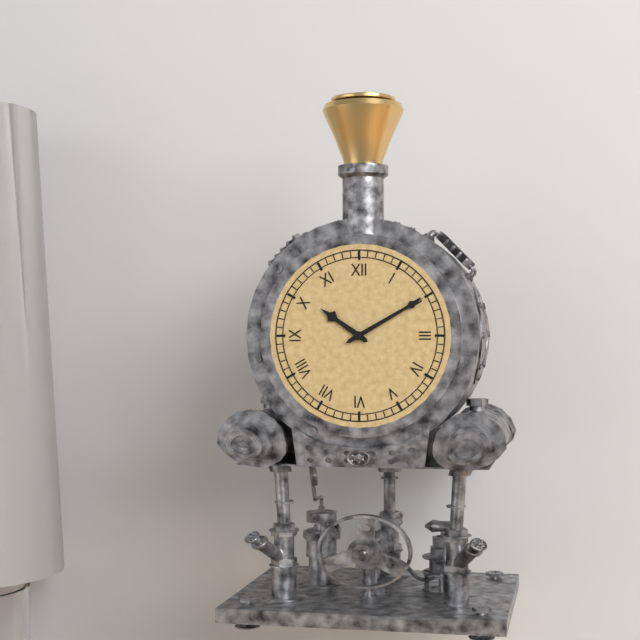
**10:10**
